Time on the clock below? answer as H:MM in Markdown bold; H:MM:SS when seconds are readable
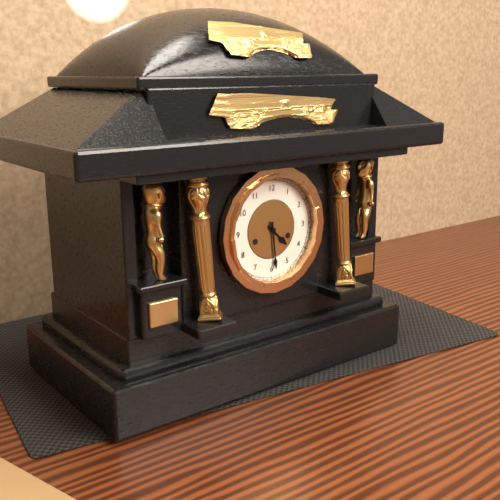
**4:29**
